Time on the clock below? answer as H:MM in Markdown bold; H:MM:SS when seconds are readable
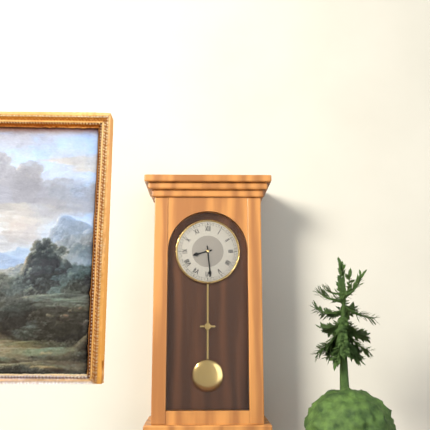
**8:29**
